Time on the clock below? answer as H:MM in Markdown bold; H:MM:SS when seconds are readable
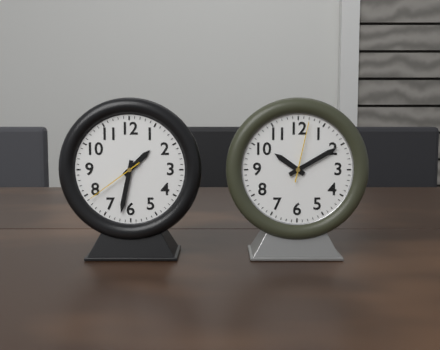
**1:32:39**
